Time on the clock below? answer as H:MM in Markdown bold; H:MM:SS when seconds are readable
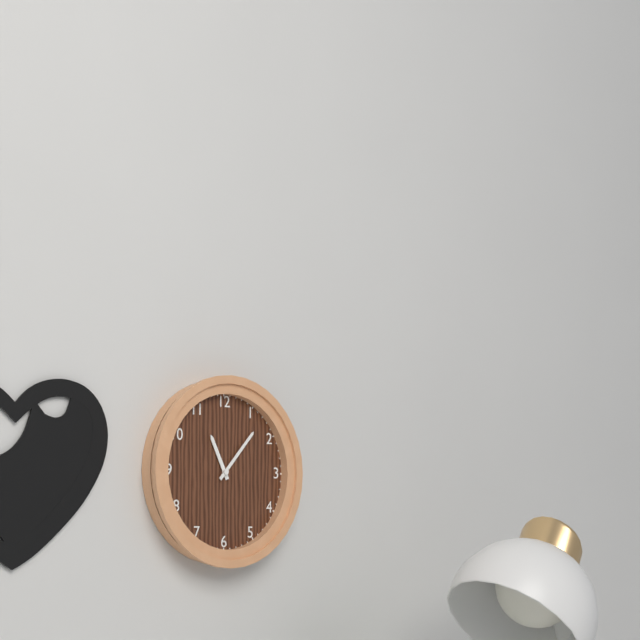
**11:07**
